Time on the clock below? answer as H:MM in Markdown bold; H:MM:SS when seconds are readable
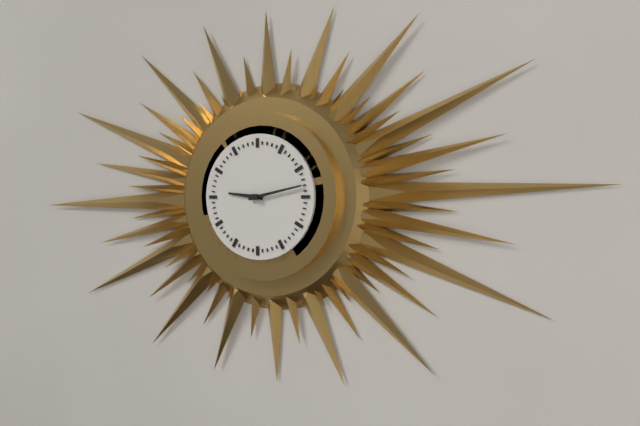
**9:13**
